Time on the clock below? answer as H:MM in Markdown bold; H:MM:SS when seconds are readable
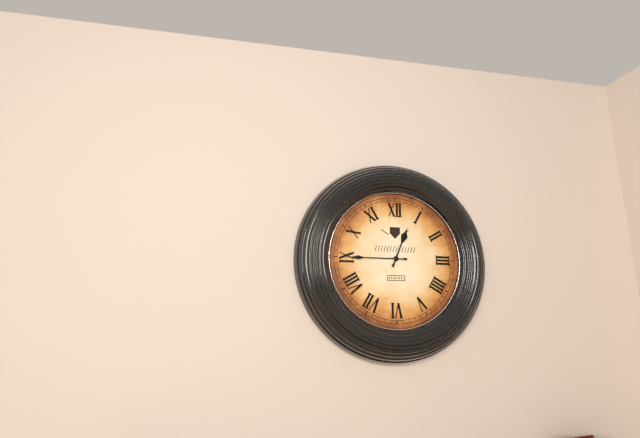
**12:45**
